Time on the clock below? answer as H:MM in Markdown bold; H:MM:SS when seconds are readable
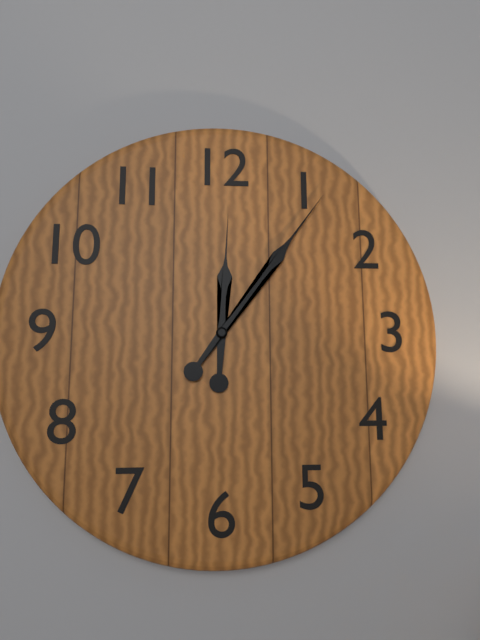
**12:06**
